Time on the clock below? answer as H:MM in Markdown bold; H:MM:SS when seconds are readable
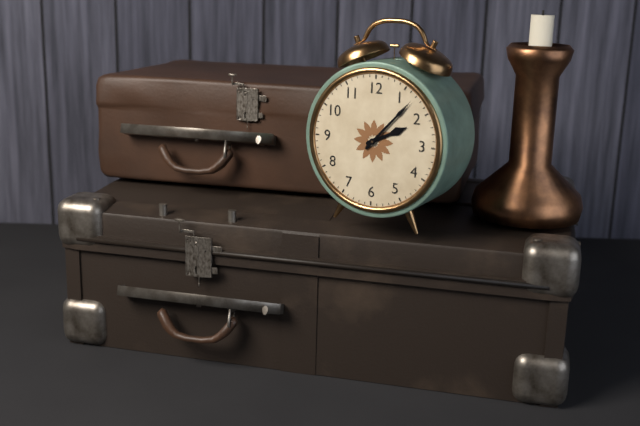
**2:07**
